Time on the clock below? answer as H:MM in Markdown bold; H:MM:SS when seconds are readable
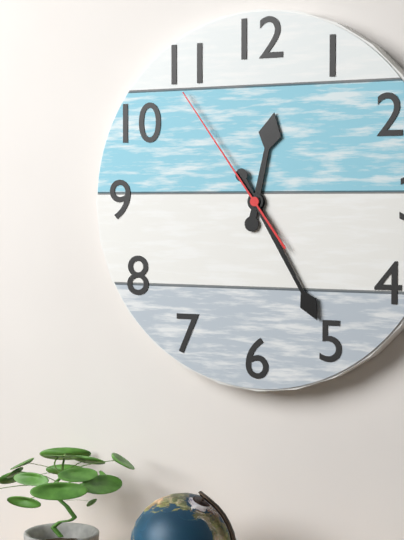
**12:25:54**
